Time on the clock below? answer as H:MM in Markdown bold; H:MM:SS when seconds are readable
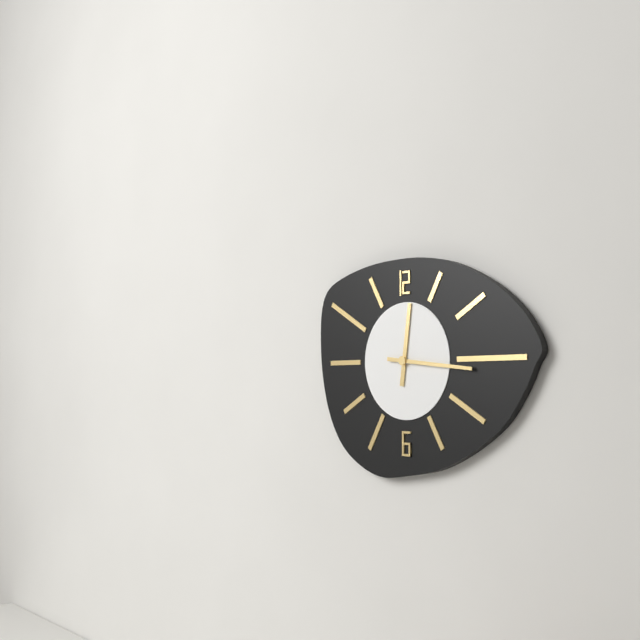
**12:16**
